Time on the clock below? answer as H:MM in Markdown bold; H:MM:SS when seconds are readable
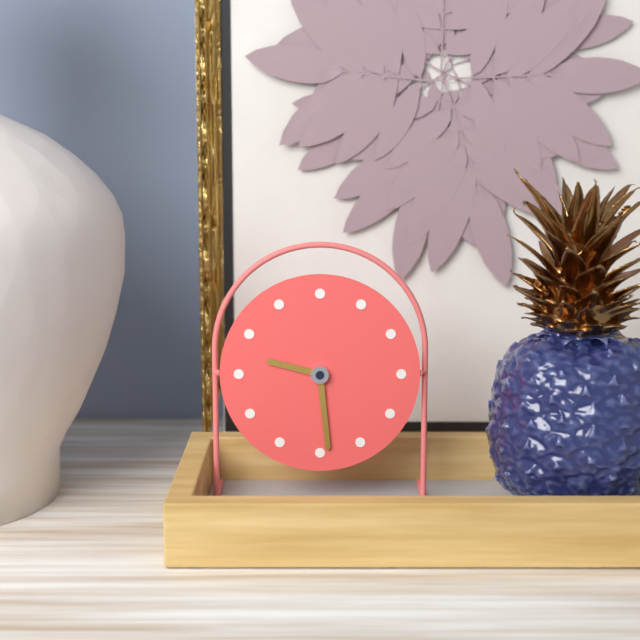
**9:29**
